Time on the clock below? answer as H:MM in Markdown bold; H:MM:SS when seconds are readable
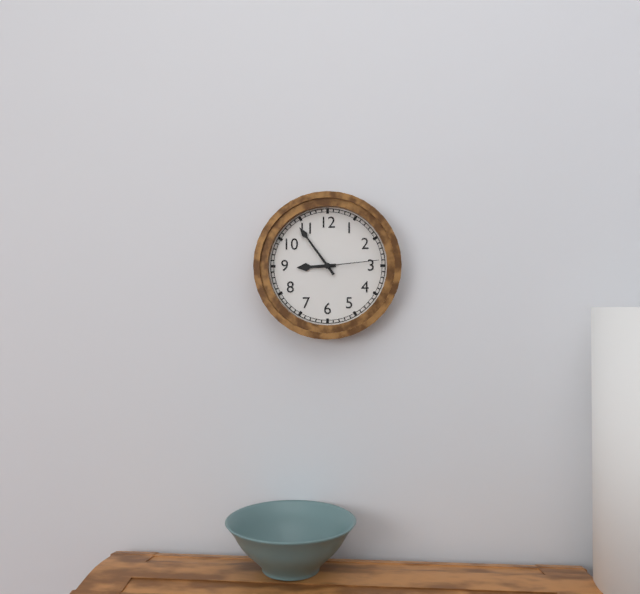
**8:54:14**
